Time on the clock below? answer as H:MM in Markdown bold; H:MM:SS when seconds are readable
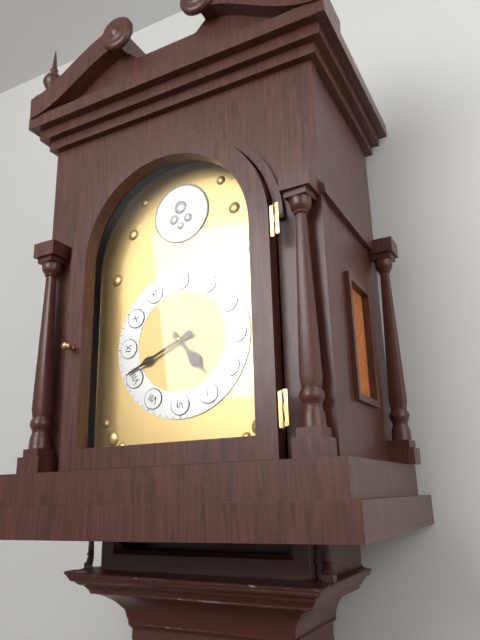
**4:41**
